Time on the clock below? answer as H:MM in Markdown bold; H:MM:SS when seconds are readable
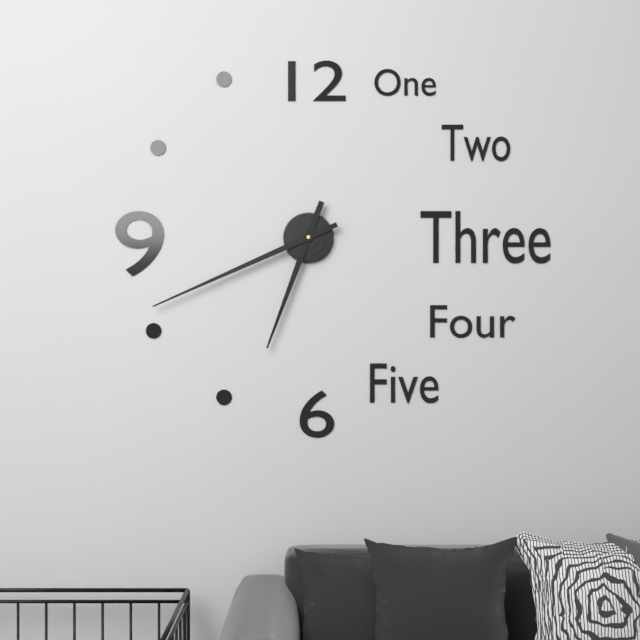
**6:41**
